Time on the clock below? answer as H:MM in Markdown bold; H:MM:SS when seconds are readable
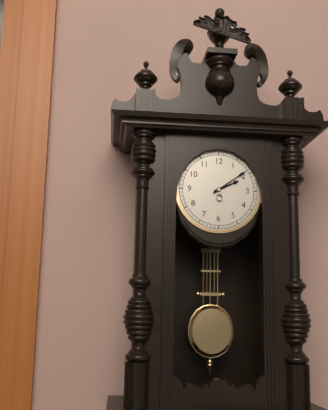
**2:09**
